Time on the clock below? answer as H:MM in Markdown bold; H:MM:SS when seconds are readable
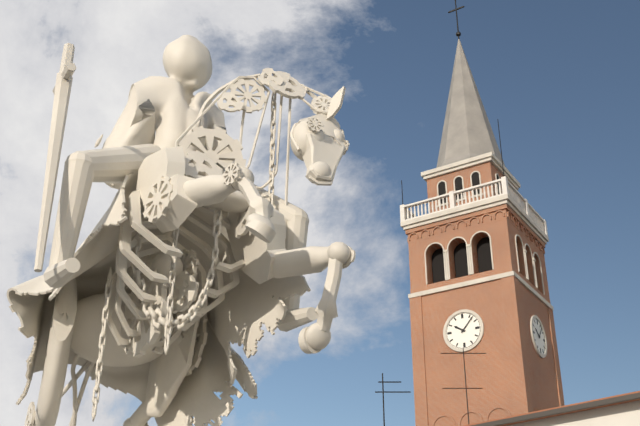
**10:07**
